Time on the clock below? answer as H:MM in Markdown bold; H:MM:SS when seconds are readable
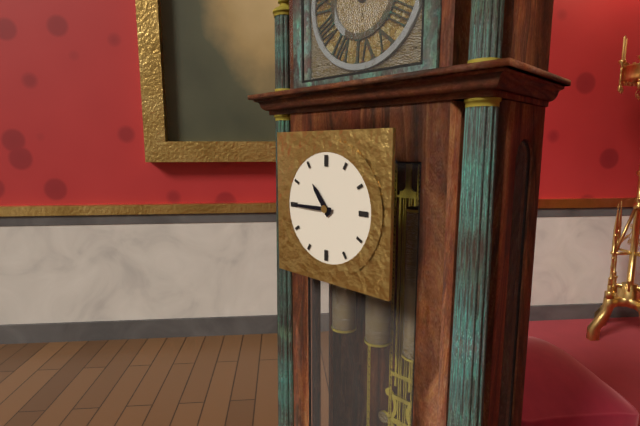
**10:45**
